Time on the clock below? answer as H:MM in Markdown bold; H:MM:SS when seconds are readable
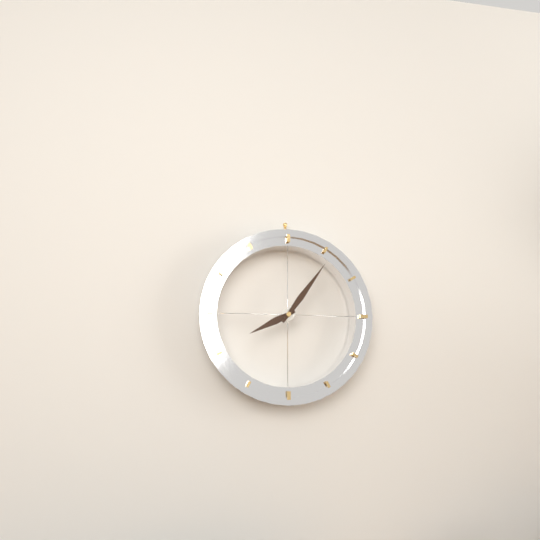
**8:06**
